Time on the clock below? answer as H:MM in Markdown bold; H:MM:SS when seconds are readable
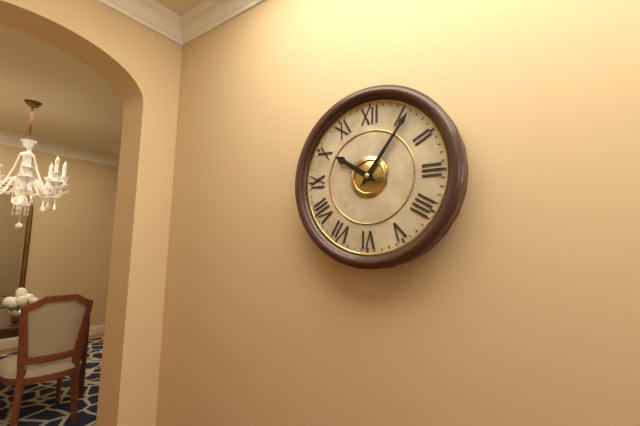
**10:06**
